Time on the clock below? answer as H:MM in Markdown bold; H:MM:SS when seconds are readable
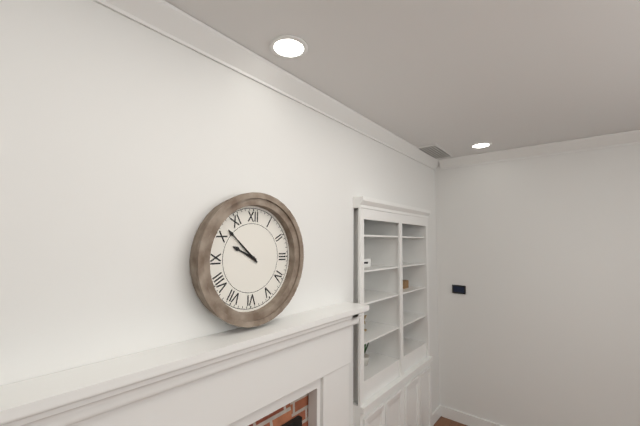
**9:52**
